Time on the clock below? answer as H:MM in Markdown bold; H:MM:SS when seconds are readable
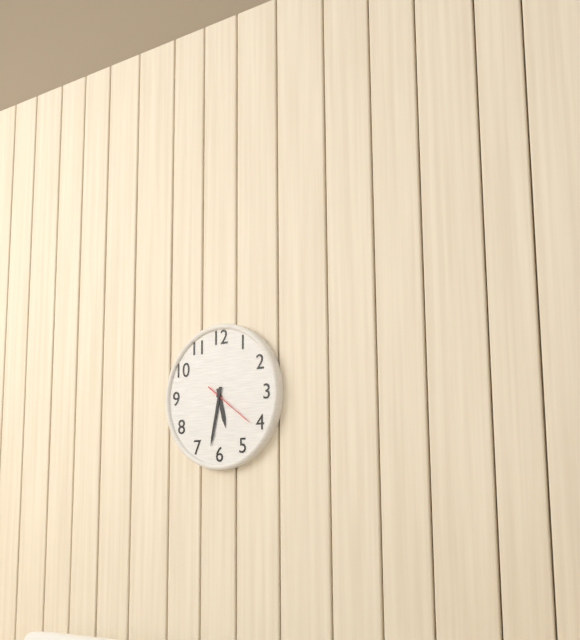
**5:32**
